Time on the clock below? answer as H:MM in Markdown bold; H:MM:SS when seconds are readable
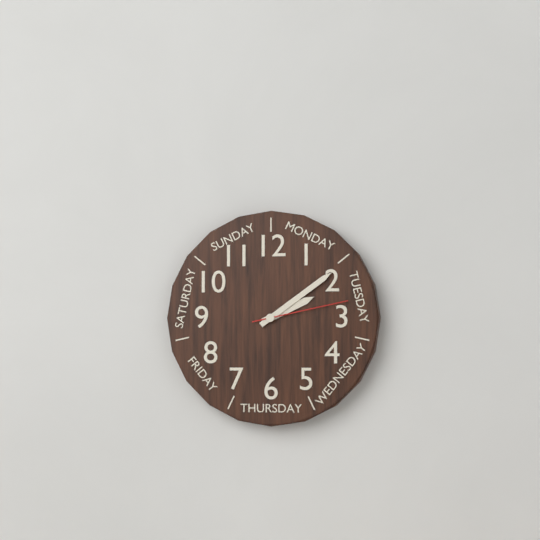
**2:09:13**
